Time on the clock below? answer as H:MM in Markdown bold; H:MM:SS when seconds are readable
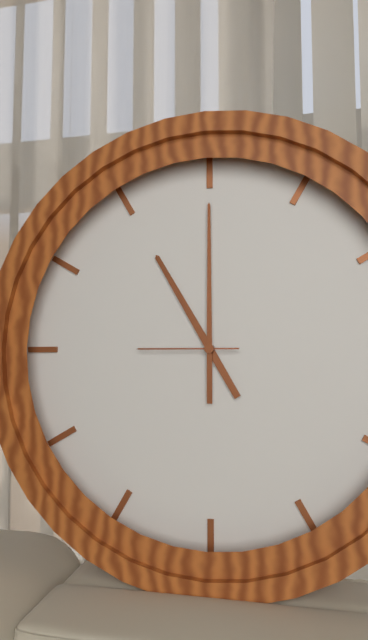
**11:00:45**
